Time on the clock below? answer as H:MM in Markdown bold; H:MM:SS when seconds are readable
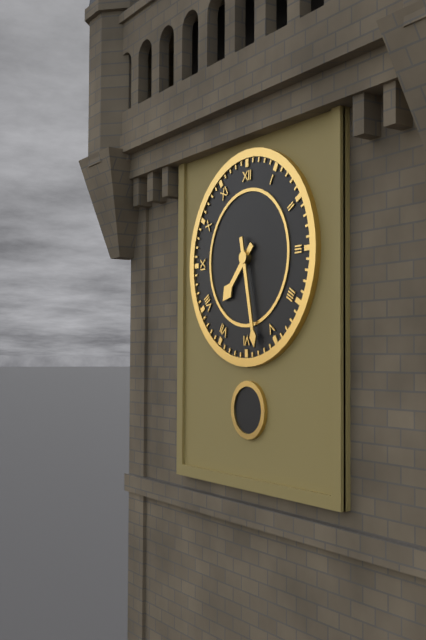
**7:28**
